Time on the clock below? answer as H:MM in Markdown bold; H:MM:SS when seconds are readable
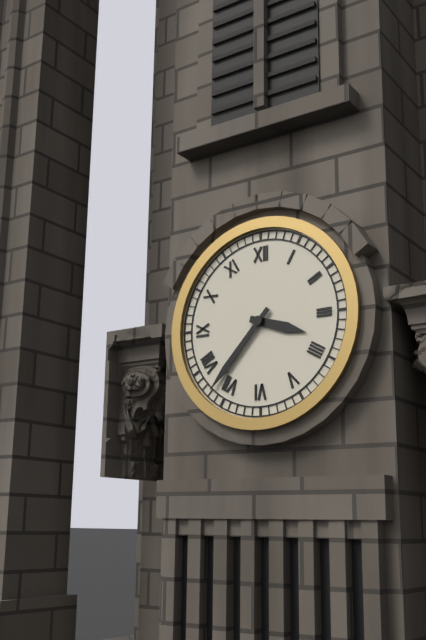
**3:37**
